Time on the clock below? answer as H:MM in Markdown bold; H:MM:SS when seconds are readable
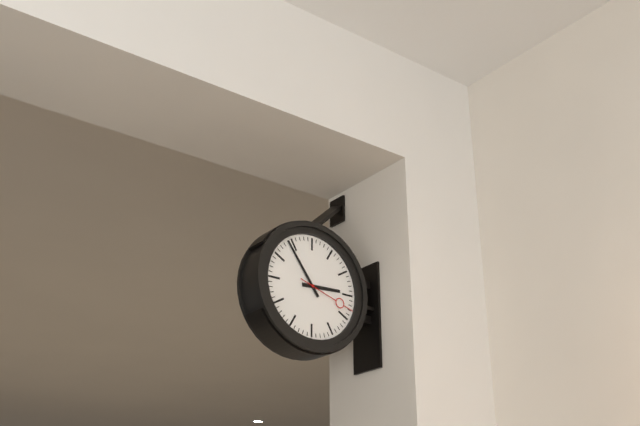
**2:54:18**
